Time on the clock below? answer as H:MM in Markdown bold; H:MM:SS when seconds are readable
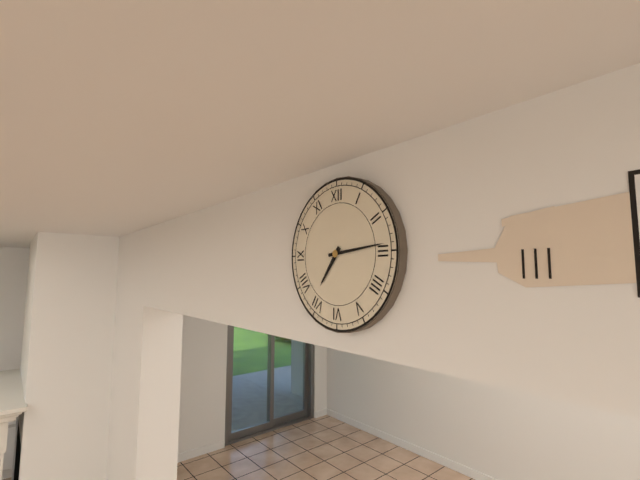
**7:14**
